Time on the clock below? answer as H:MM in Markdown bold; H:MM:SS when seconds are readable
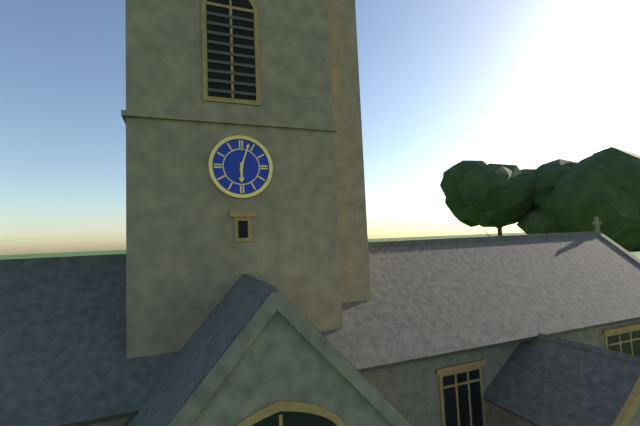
**6:03**
